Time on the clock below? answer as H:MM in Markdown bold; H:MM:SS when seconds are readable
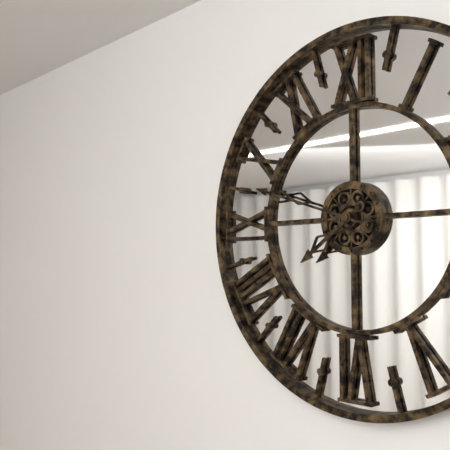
**7:48**
